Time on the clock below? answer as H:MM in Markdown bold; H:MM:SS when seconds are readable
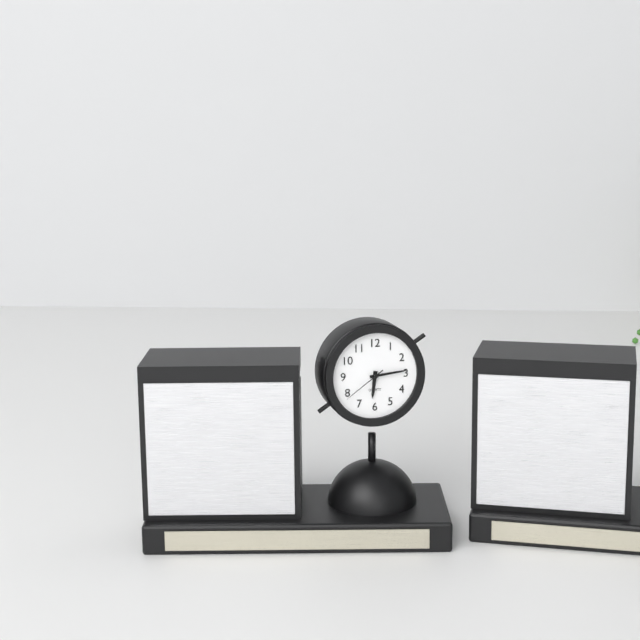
**6:14**
